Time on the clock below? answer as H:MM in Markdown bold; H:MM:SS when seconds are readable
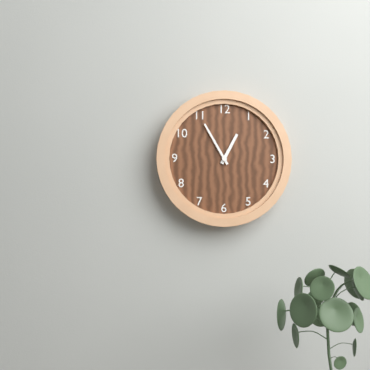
**12:55**
